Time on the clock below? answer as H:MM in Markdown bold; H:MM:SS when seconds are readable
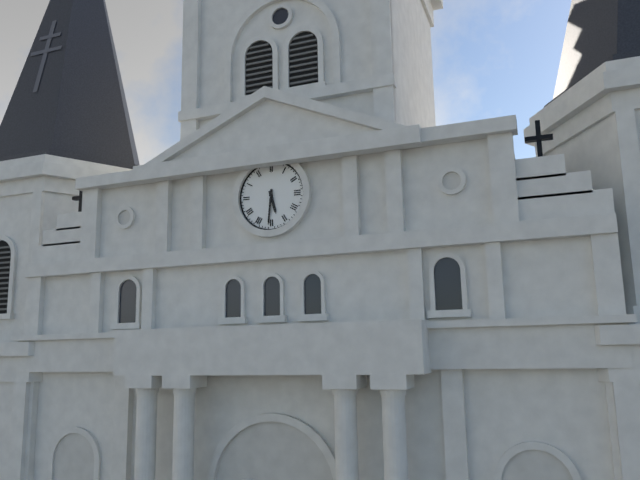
**5:31**
